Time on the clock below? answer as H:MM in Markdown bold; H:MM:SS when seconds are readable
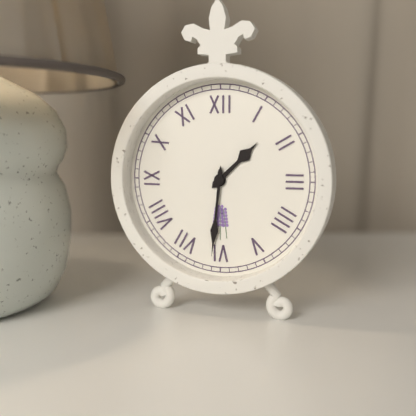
**1:31**
